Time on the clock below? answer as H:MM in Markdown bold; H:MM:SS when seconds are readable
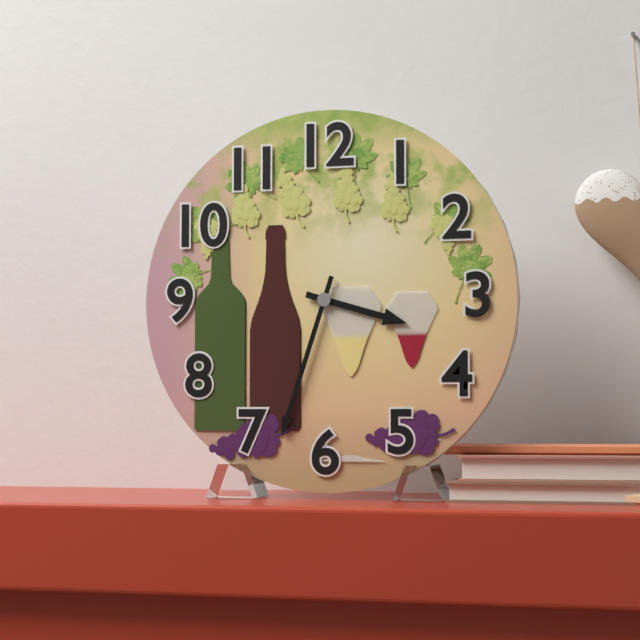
**3:33**
